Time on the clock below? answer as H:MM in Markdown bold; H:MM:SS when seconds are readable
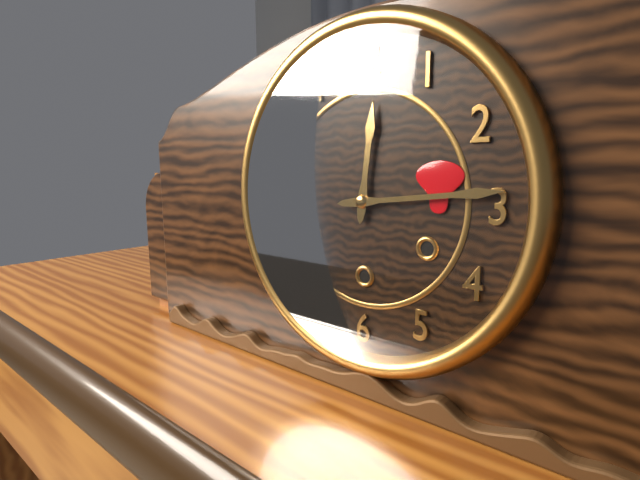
**12:14**
